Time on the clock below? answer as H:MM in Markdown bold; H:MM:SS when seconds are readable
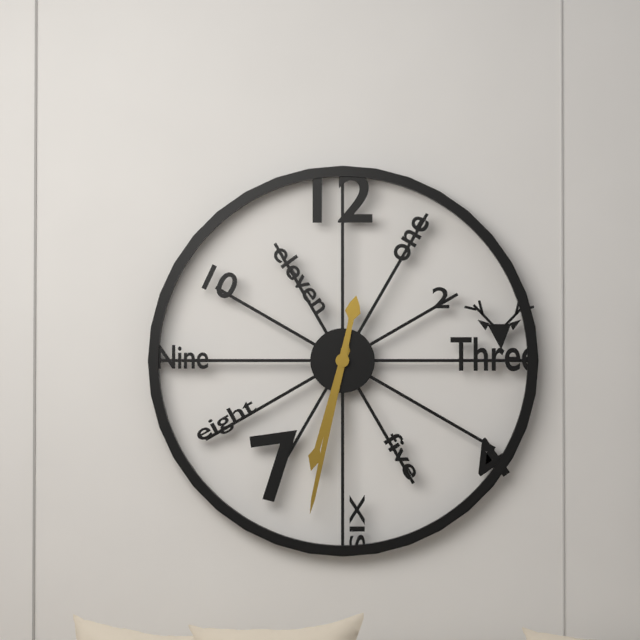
**6:32**
